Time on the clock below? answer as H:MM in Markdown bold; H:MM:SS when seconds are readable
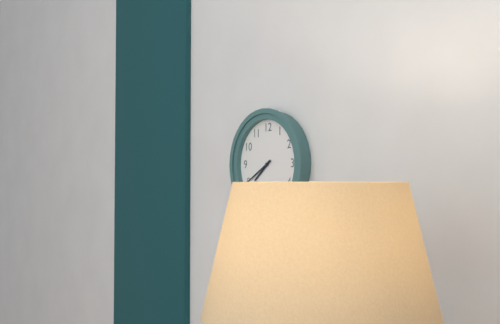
**7:40**
